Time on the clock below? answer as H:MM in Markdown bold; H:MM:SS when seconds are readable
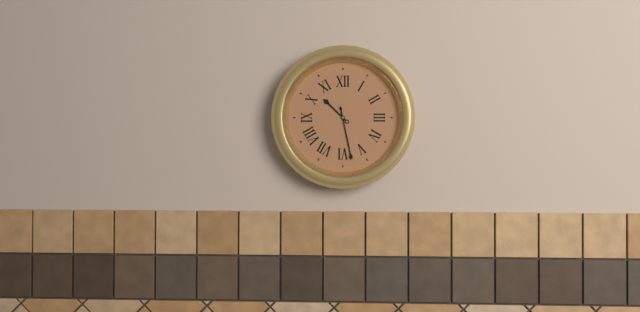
**10:28**
